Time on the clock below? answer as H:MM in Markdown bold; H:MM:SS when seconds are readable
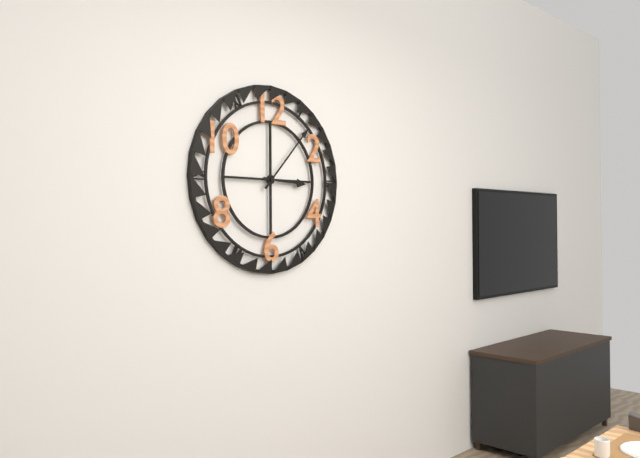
**3:07**
